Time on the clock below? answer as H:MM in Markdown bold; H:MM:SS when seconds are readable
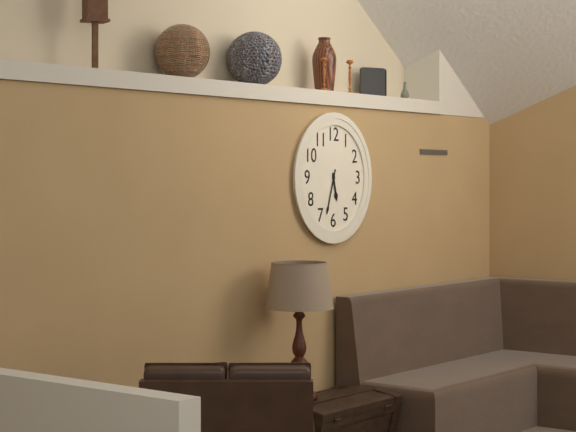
**5:33**
